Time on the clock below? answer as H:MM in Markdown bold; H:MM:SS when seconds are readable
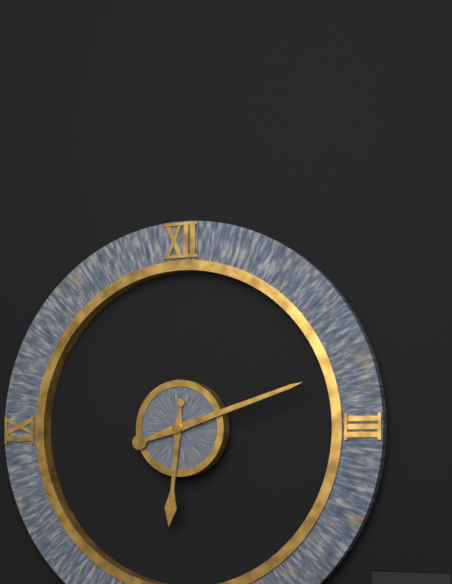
**6:12**
